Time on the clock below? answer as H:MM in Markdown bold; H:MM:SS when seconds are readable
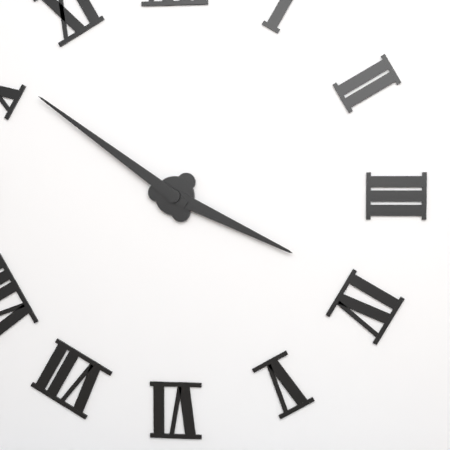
**3:51**
